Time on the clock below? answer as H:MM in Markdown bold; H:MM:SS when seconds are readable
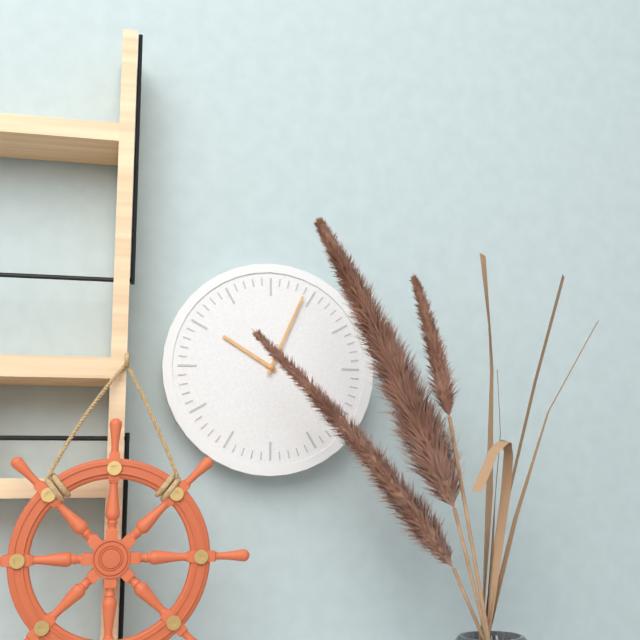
**10:04**
